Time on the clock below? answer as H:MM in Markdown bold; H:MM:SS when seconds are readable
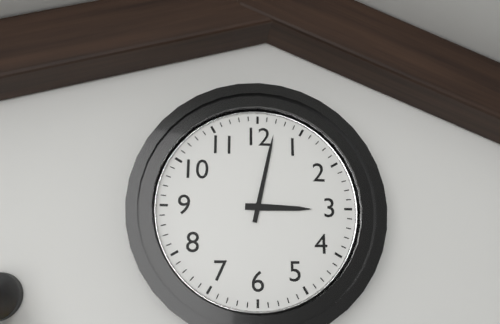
**3:02**
